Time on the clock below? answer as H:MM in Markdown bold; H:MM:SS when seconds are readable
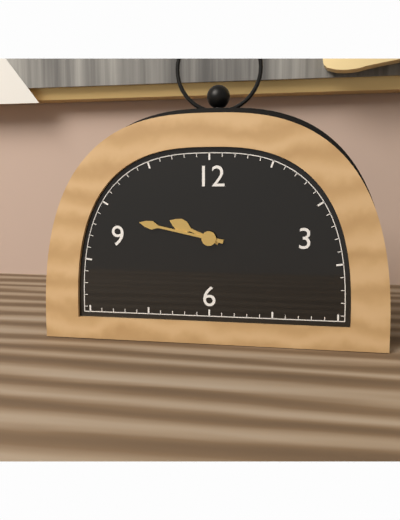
**9:47**
